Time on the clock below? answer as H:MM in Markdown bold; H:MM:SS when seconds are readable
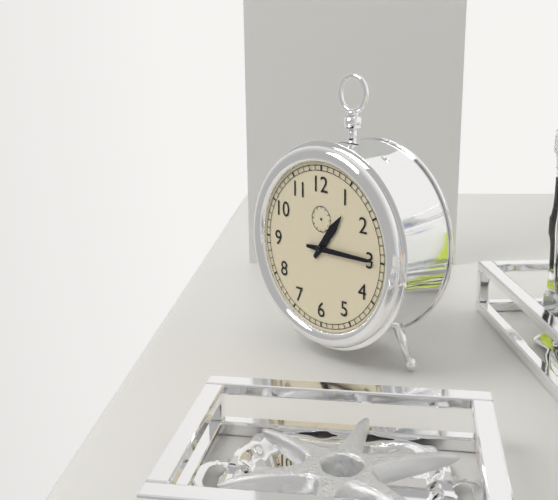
**1:15**
